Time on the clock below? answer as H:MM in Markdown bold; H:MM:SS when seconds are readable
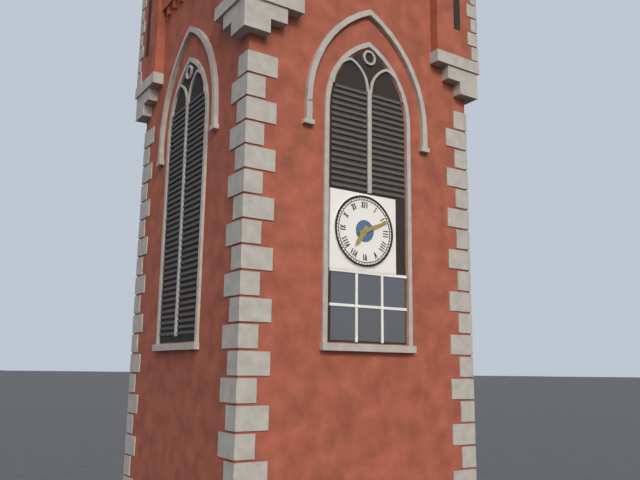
**7:11**
